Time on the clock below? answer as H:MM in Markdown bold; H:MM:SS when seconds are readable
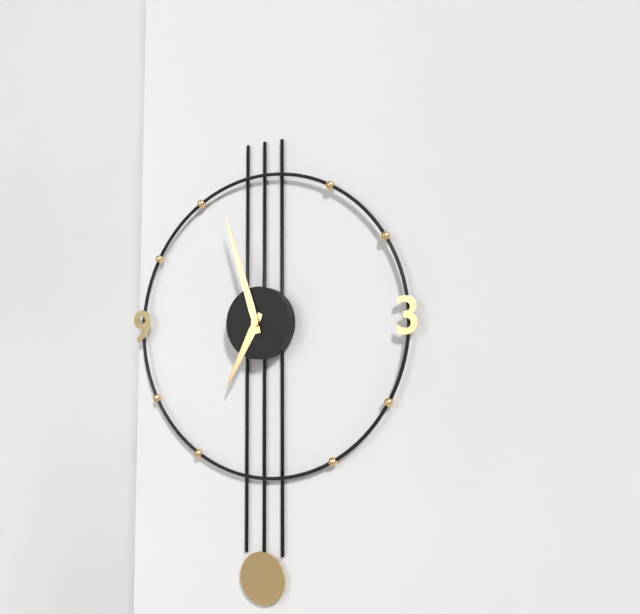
**6:57**
